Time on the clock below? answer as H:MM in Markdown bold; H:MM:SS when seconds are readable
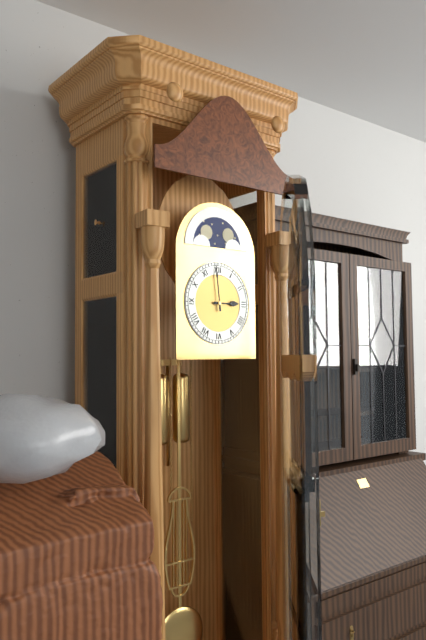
**2:59**
